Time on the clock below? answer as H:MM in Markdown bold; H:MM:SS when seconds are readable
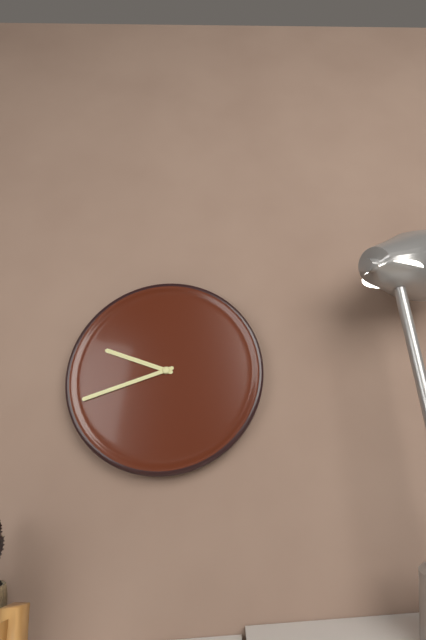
**9:42**
